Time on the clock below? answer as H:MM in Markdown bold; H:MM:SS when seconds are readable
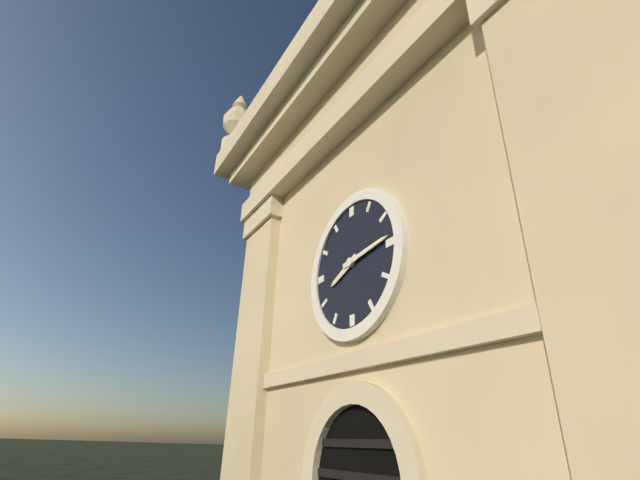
**8:14**
